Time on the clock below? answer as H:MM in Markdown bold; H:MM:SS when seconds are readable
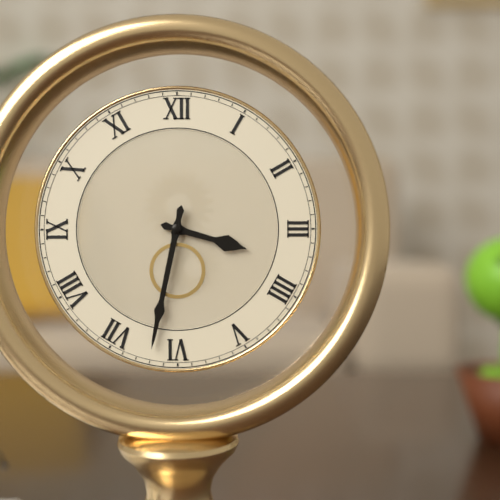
**3:32**
